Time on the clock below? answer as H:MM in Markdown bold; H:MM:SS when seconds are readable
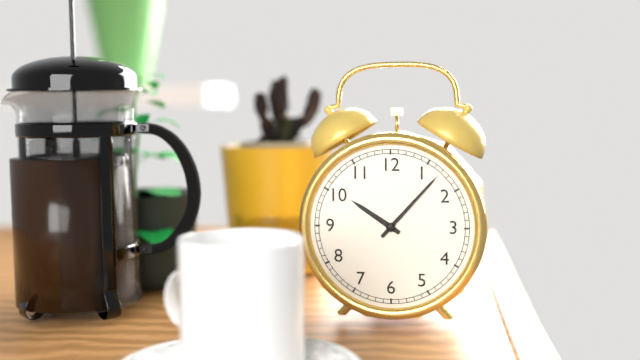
**10:07**
